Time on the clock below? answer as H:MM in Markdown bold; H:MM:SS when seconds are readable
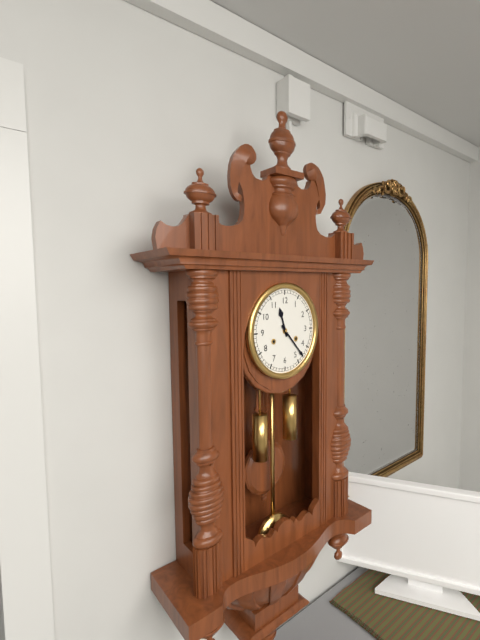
**11:23**
